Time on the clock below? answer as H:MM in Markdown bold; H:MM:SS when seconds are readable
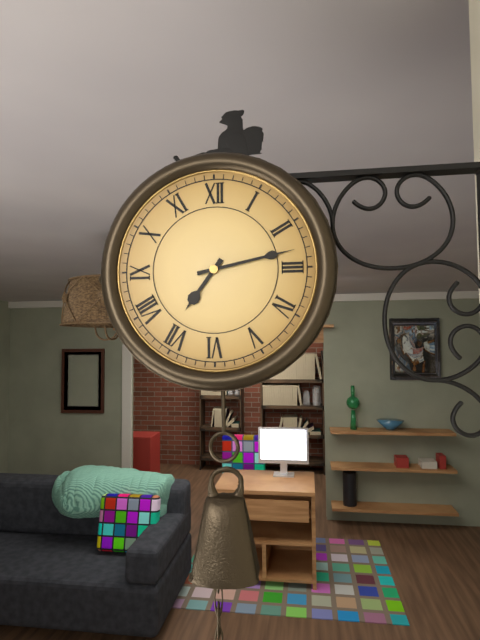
**7:13**
